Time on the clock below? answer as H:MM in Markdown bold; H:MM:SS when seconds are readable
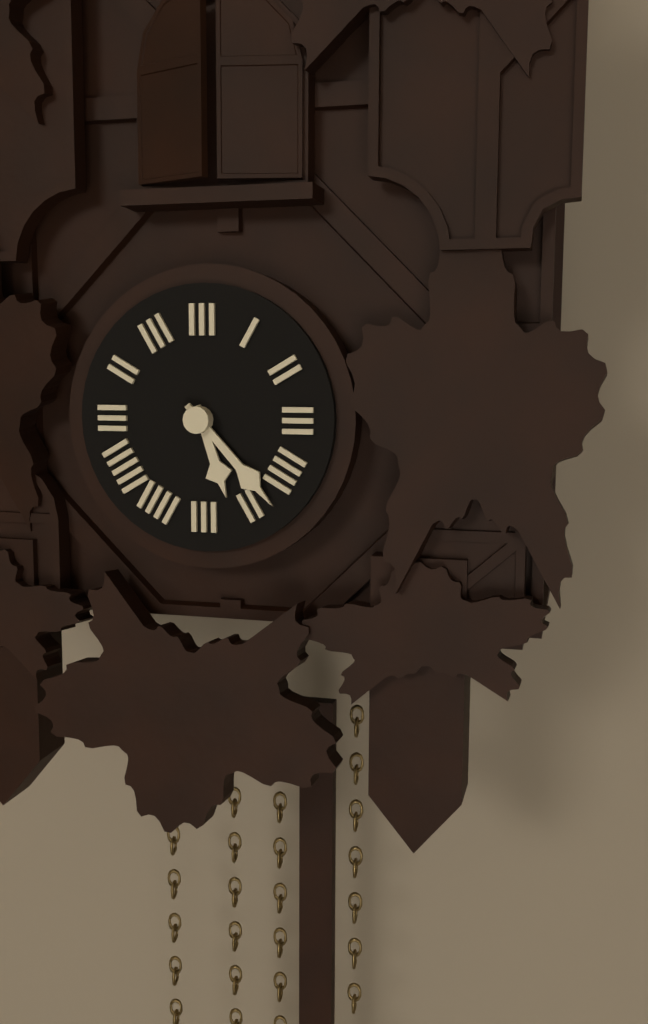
**5:23**
